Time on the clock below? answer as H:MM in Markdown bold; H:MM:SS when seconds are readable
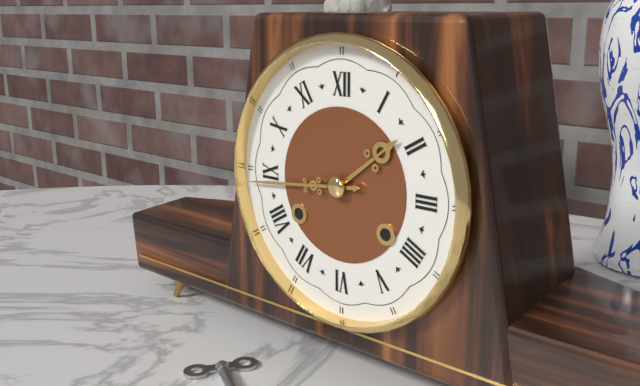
**1:44**
